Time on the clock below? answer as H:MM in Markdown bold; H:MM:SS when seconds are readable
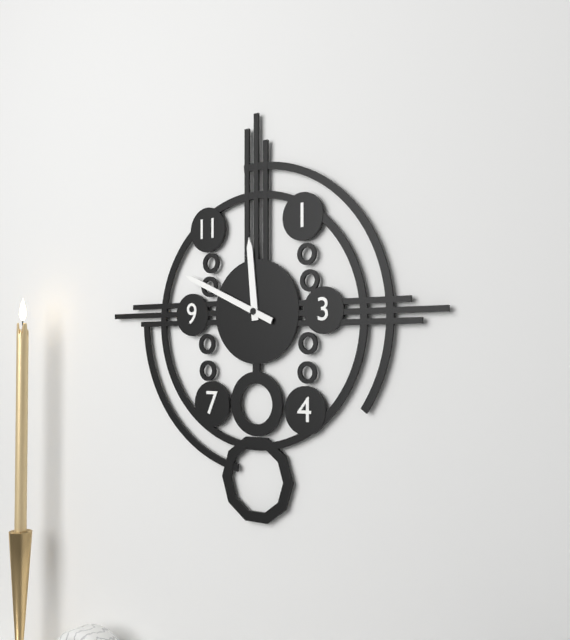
**11:49**
